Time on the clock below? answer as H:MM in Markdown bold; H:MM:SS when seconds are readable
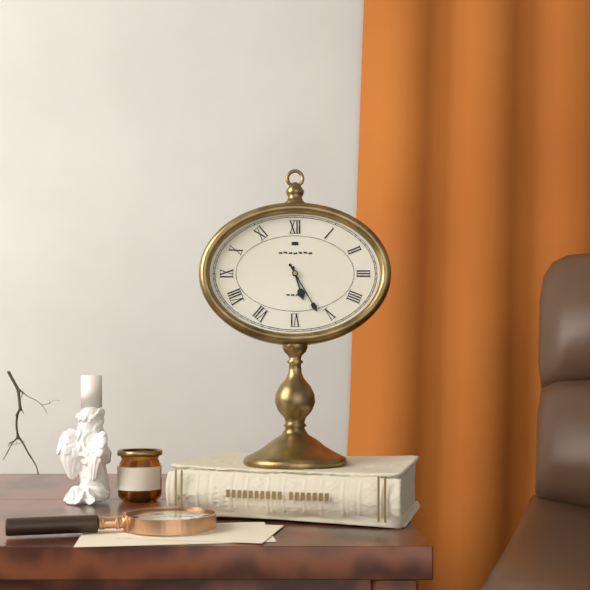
**5:25**
